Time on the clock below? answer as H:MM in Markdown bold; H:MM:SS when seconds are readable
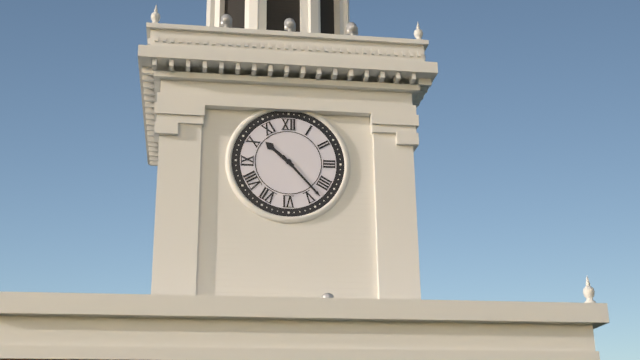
**10:23**
